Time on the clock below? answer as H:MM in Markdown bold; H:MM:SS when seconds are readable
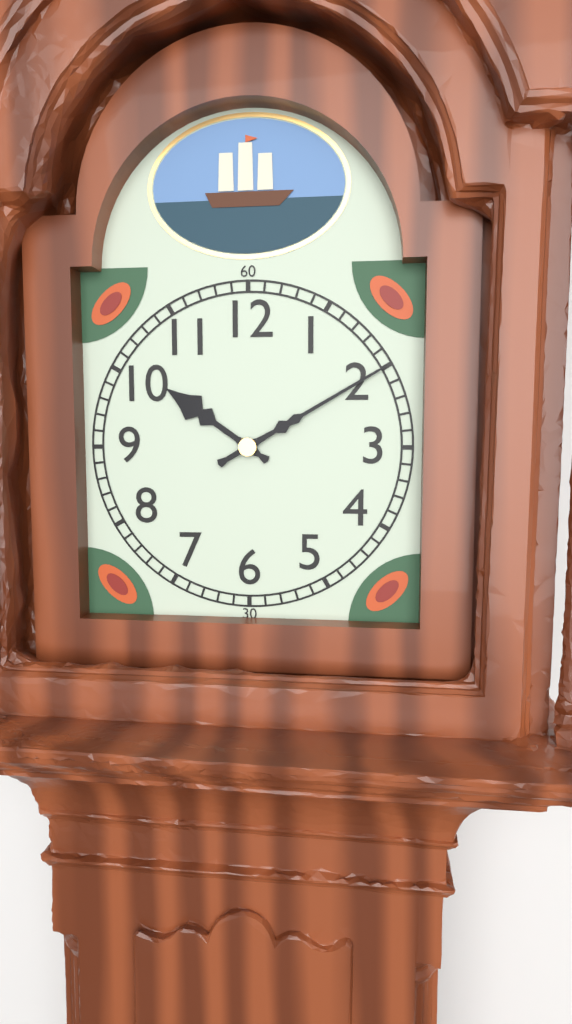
**10:10**
